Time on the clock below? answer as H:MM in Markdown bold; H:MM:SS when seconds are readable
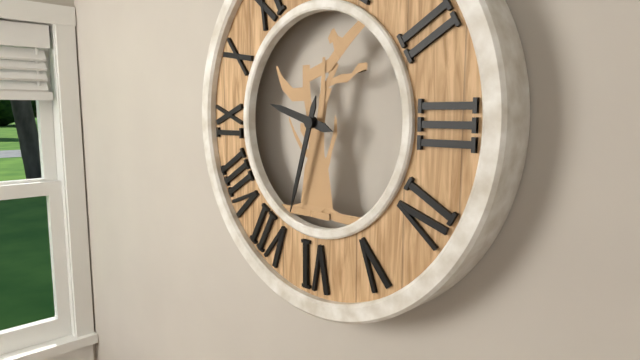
**9:33**
